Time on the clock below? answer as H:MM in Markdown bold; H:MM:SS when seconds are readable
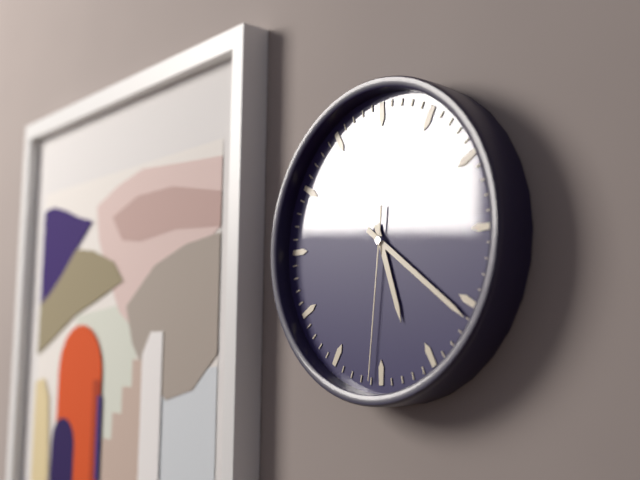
**5:21:31**
